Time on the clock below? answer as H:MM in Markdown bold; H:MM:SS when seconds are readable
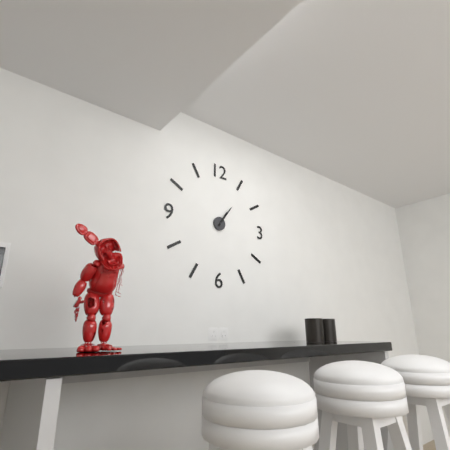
**1:06**
